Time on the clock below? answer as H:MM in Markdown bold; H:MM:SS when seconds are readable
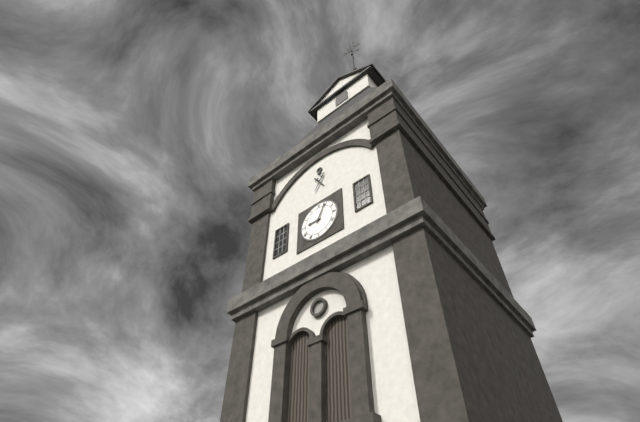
**9:04**
